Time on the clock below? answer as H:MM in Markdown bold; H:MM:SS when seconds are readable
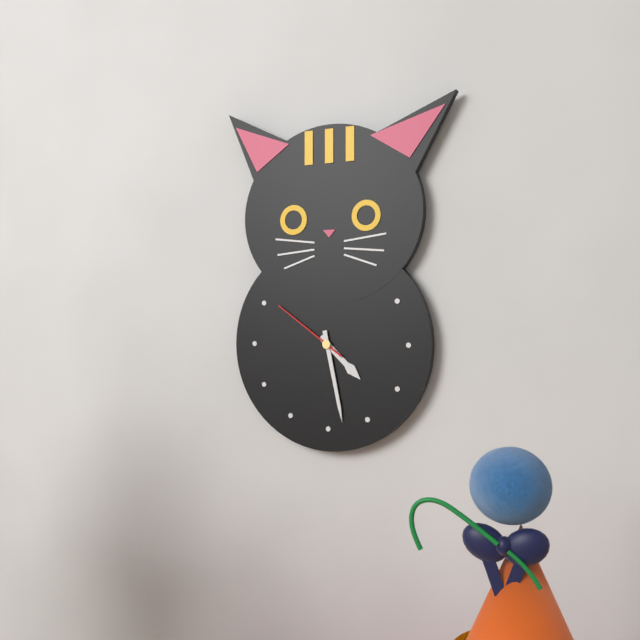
**4:28:51**
